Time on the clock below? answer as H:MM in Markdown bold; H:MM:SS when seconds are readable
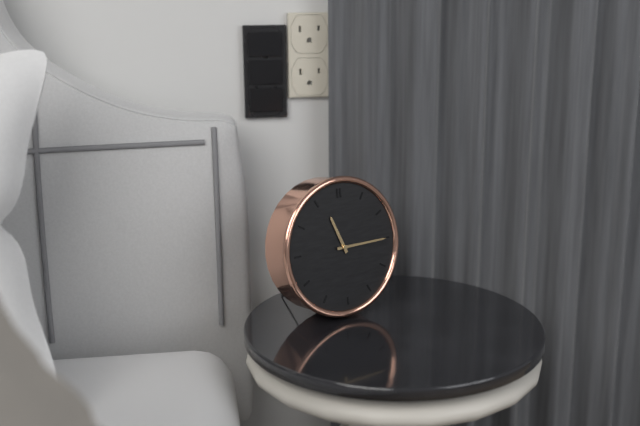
**11:15**
